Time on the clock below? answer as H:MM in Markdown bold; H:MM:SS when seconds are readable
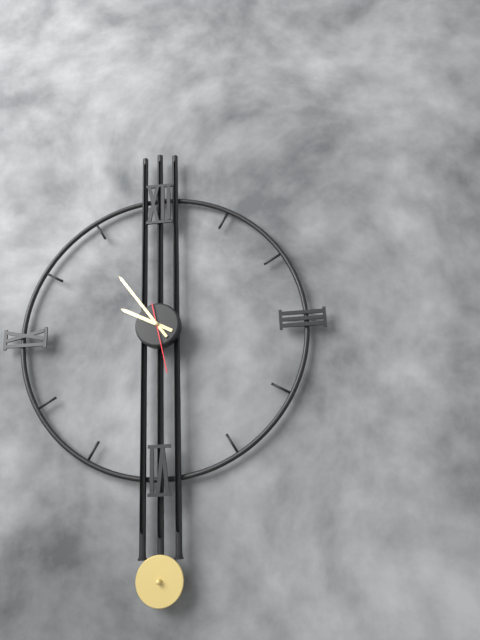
**9:54:28**
